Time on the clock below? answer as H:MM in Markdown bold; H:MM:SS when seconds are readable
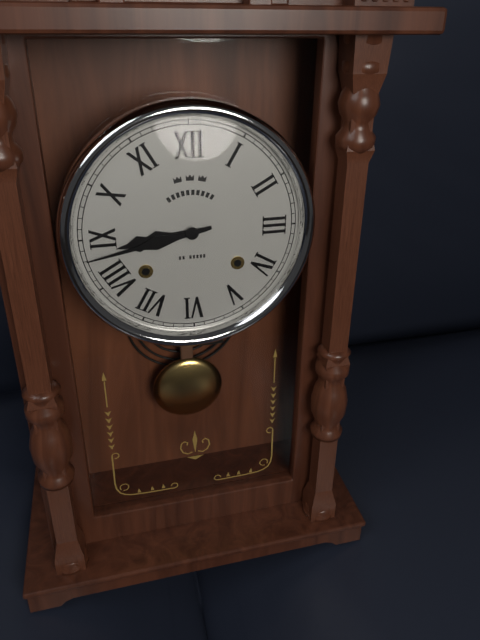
**8:43**
